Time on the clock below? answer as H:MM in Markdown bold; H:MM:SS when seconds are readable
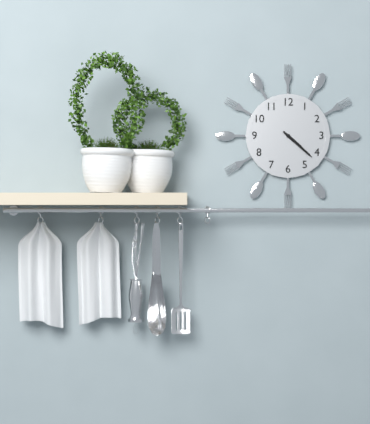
**4:22**
